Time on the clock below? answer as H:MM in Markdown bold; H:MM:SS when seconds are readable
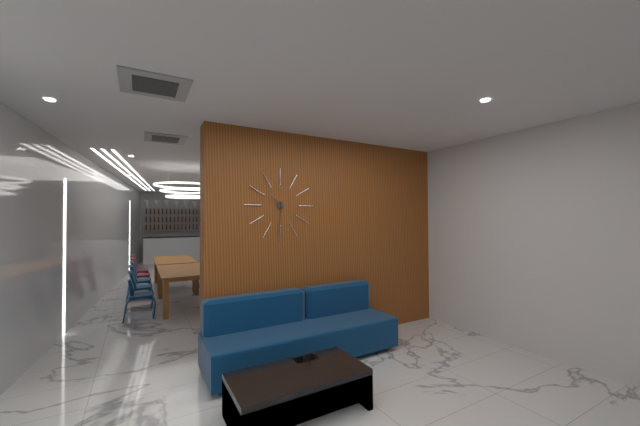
**10:31**
